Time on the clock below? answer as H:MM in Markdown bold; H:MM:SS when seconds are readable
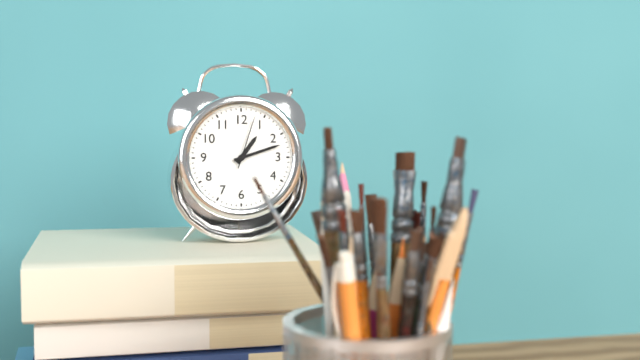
**1:12:03**
